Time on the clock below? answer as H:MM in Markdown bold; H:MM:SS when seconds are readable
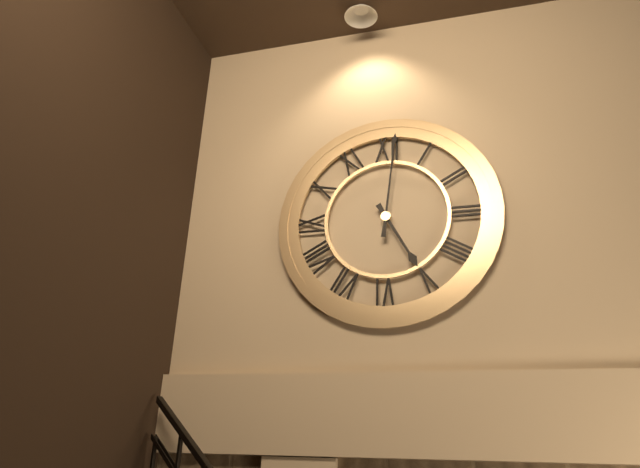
**5:01**
